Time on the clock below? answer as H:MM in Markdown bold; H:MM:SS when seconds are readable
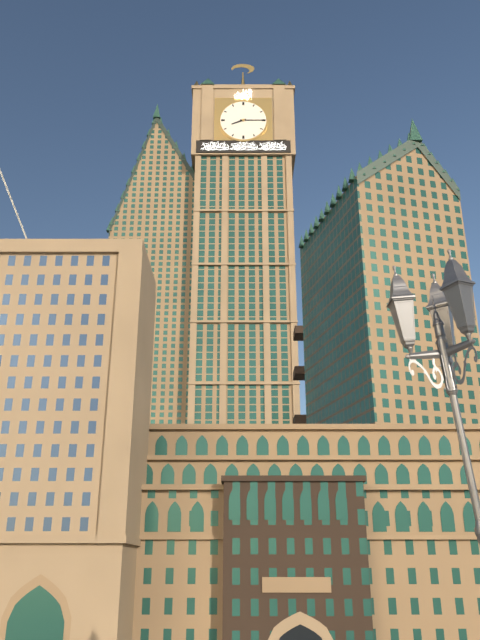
**8:15**
